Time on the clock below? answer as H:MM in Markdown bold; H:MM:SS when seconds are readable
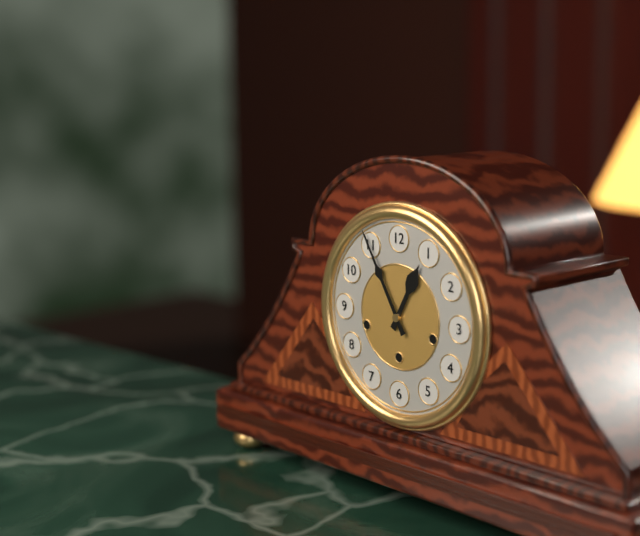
**12:55**
